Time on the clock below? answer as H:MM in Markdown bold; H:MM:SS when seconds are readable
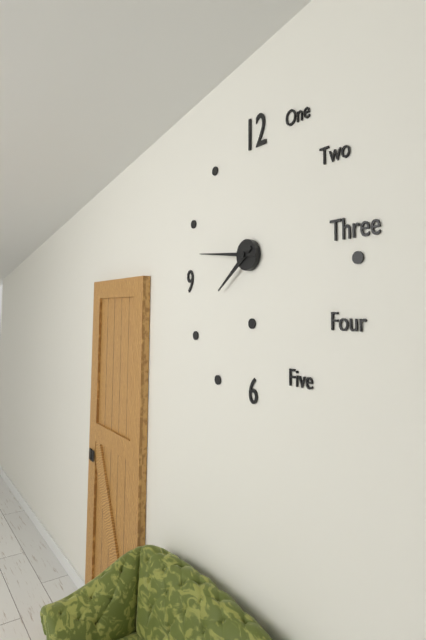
**7:46**
